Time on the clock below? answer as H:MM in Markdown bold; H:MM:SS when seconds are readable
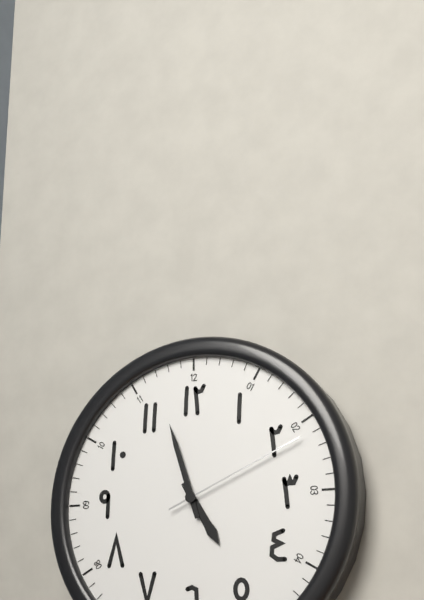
**4:57:11**
